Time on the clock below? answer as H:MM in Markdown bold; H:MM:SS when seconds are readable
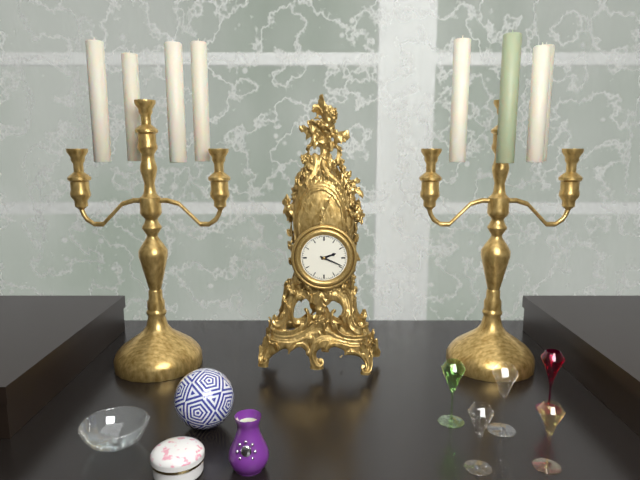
**2:19**
